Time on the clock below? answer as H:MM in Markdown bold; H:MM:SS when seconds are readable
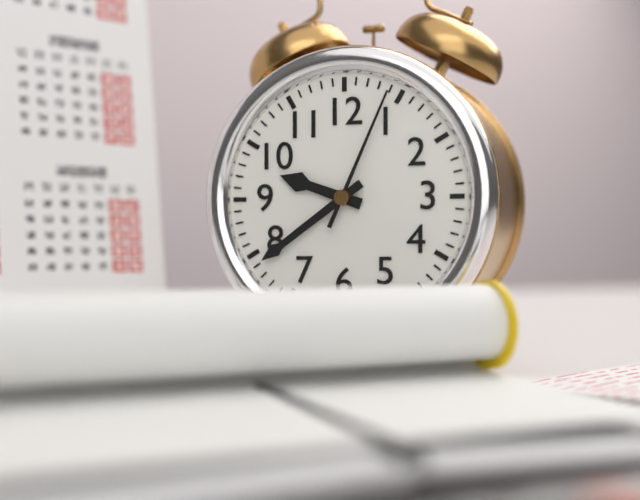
**9:39:04**
